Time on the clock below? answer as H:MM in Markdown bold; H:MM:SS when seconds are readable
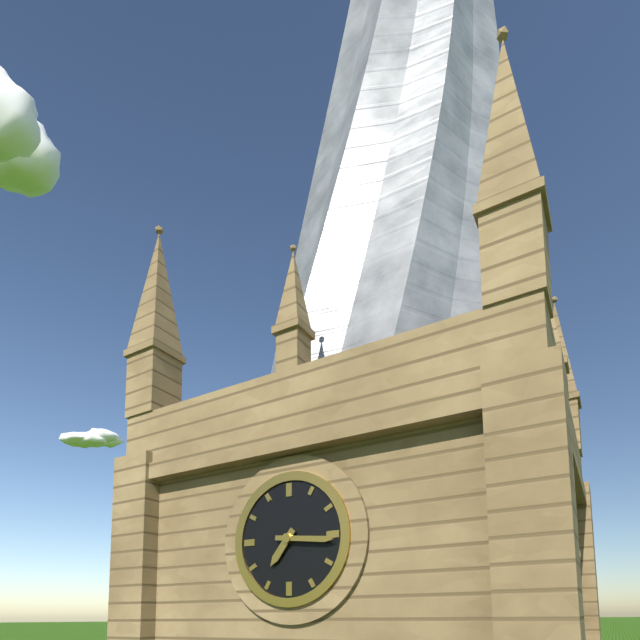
**7:16**
